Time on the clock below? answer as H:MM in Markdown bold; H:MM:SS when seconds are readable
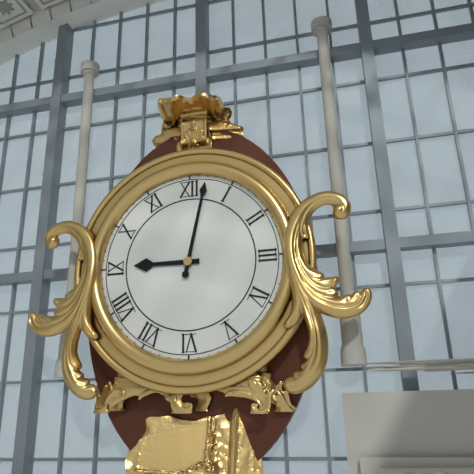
**9:02**
